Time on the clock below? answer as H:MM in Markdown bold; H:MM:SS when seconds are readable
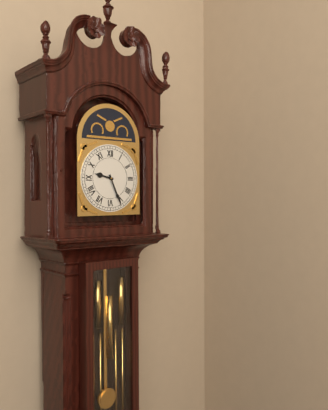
**9:26**
